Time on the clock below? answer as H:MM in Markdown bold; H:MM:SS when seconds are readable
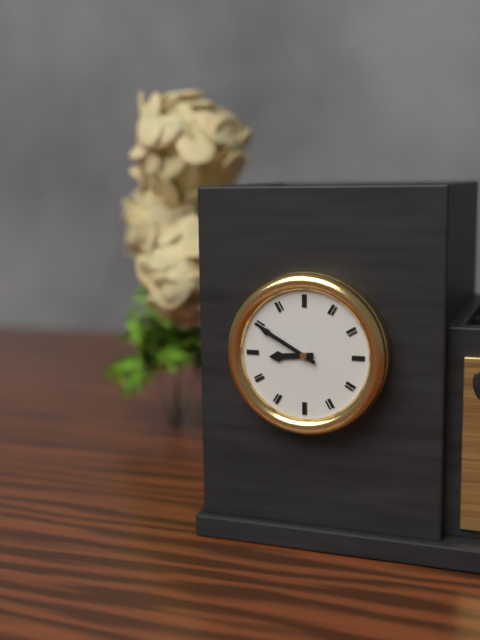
**8:50**
